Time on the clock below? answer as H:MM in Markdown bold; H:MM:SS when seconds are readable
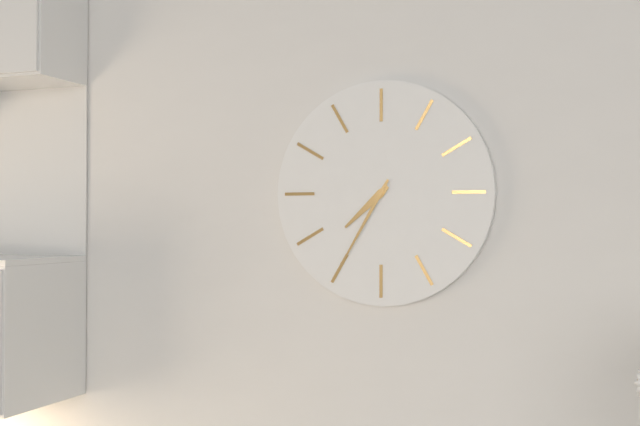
**7:35**
